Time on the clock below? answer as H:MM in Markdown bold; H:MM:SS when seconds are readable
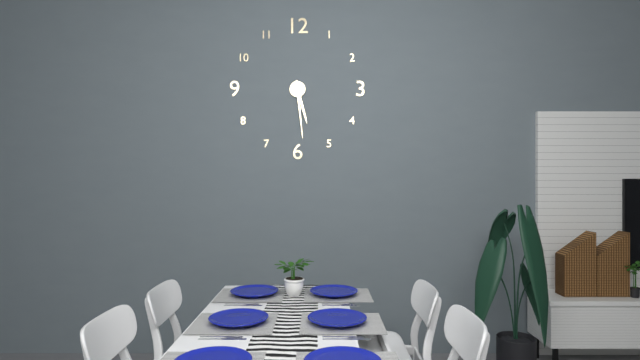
**5:29**
